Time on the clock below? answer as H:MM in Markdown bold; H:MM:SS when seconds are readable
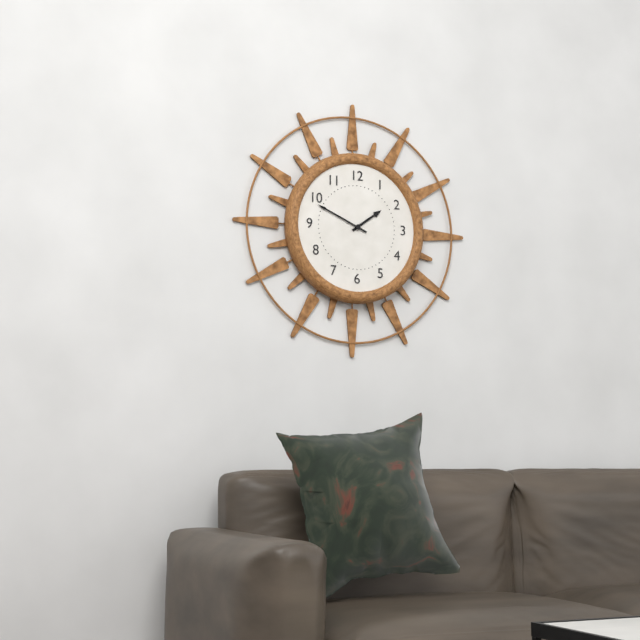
**1:49**
